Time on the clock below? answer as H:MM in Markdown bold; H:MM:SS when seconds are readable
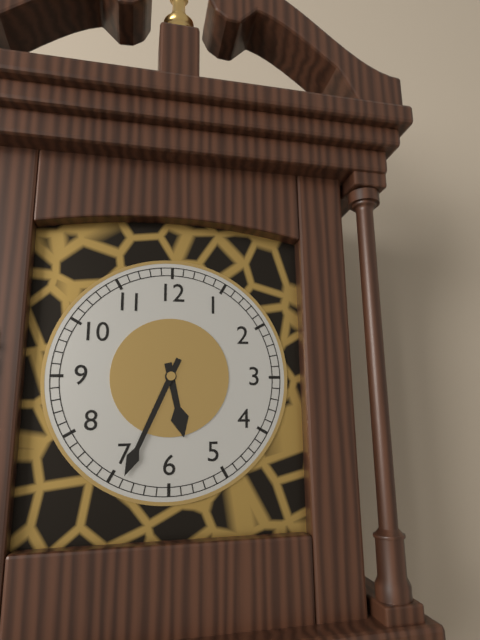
**5:34**
